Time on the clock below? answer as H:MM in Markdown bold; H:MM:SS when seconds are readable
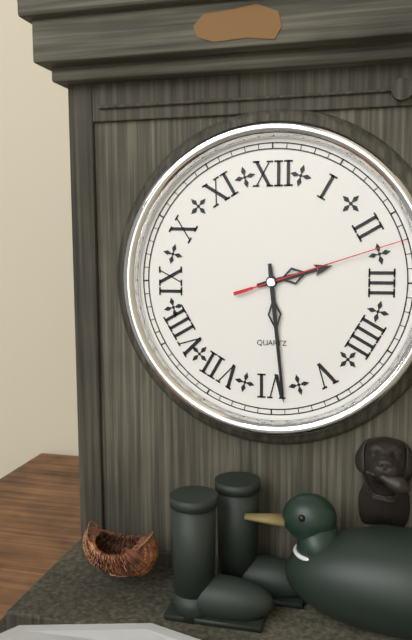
**2:29:12**
